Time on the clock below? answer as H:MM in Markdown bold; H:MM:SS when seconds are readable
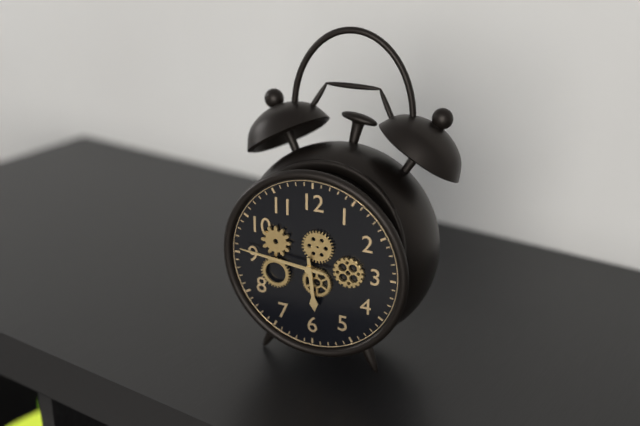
**5:46**
